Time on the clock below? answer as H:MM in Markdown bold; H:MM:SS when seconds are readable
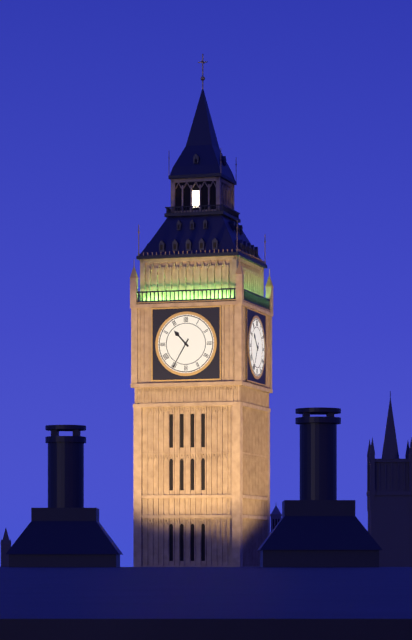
**10:35**
